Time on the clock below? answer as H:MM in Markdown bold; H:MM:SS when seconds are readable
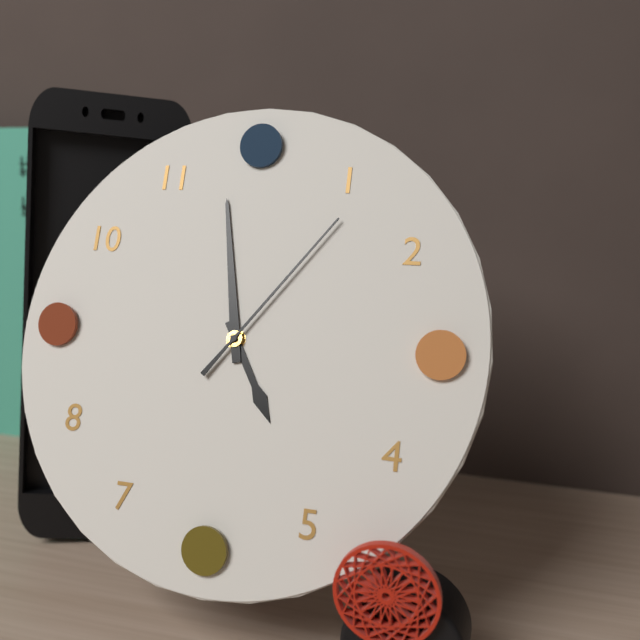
**4:58:06**
